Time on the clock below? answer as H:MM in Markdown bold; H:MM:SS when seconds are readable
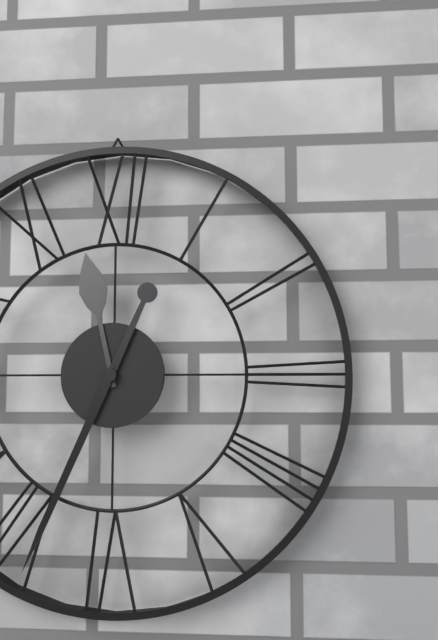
**11:34**
